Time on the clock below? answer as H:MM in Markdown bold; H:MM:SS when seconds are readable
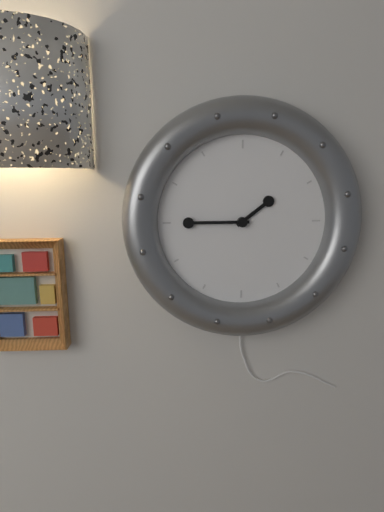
**1:45**
